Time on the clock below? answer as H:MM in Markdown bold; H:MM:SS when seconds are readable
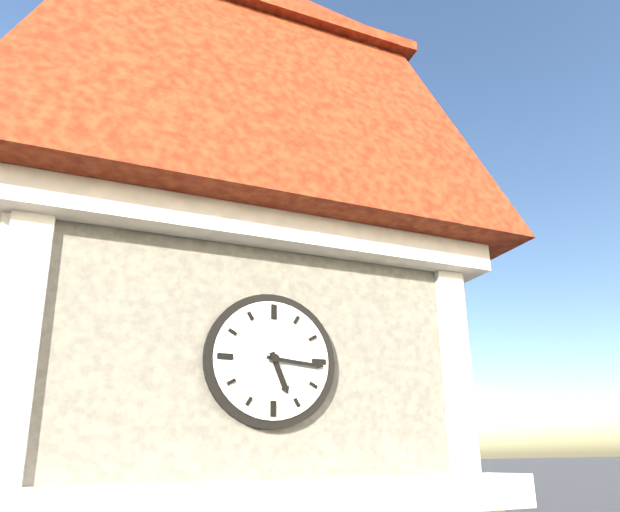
**5:16**
